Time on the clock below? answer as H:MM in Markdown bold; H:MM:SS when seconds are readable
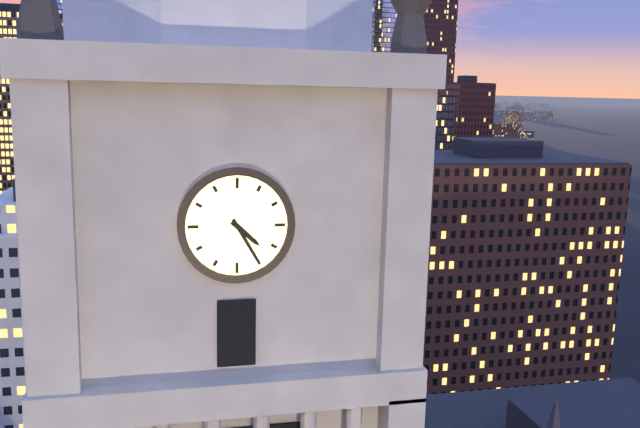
**4:25**
